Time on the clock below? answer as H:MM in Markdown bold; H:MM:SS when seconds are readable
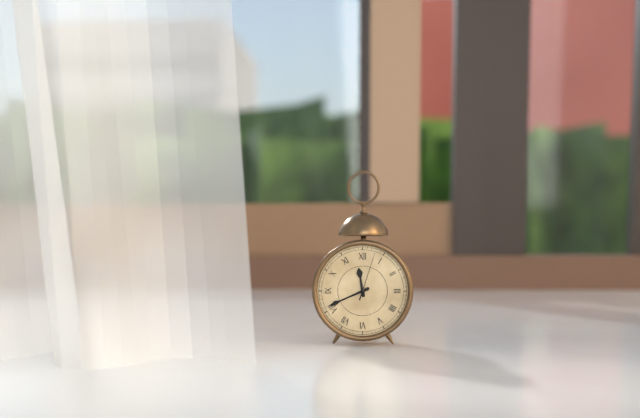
**11:41:03**
